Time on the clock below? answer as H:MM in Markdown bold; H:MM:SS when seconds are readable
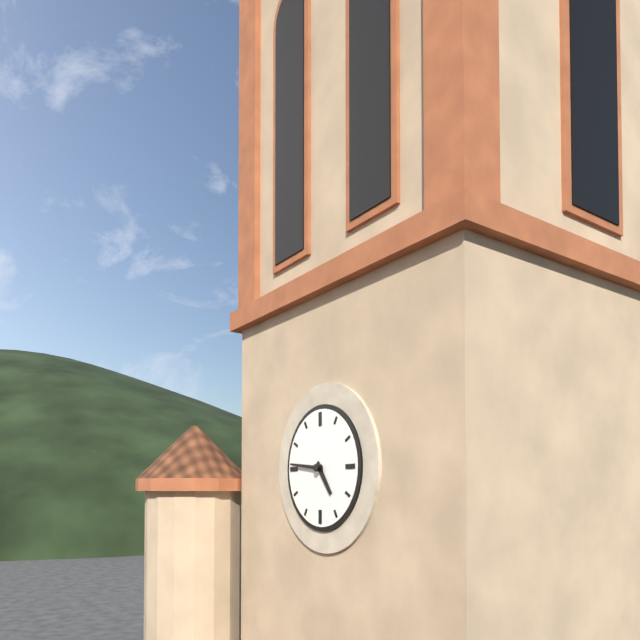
**4:46**
